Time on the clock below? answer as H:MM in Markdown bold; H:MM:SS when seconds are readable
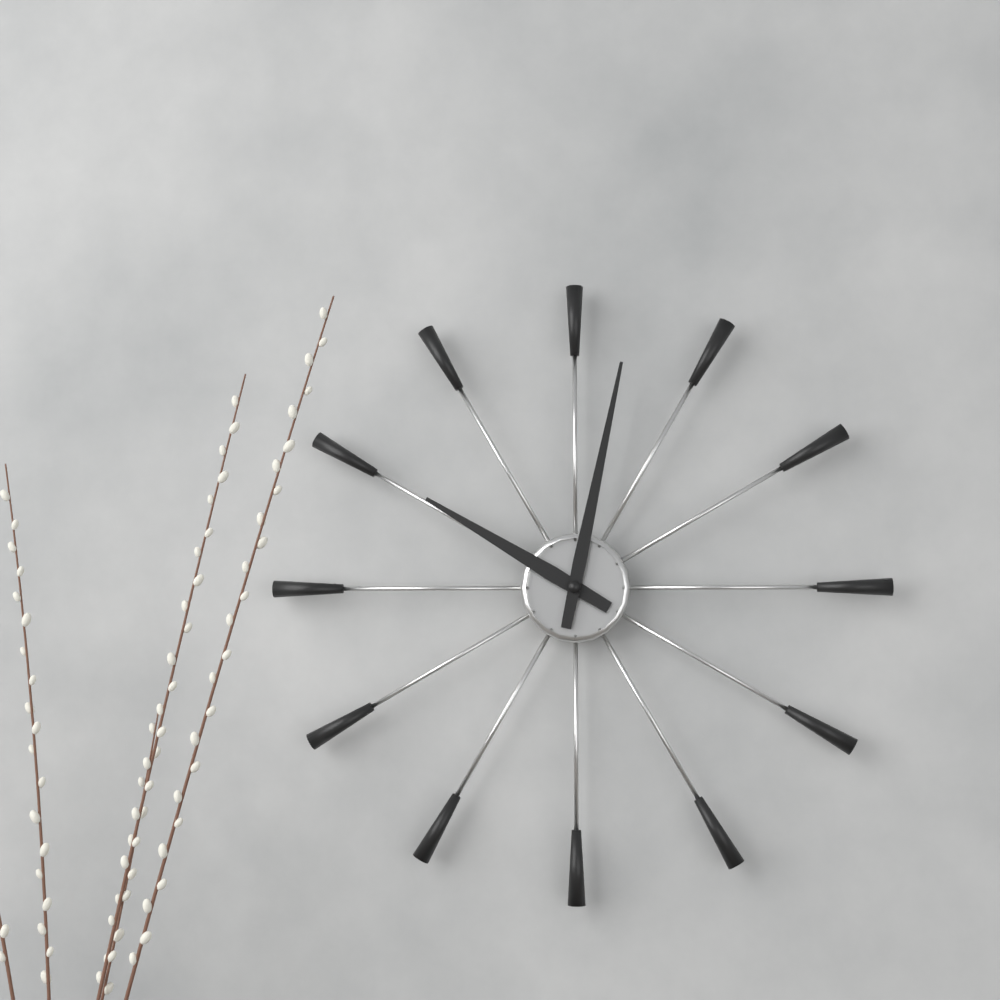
**10:02**
